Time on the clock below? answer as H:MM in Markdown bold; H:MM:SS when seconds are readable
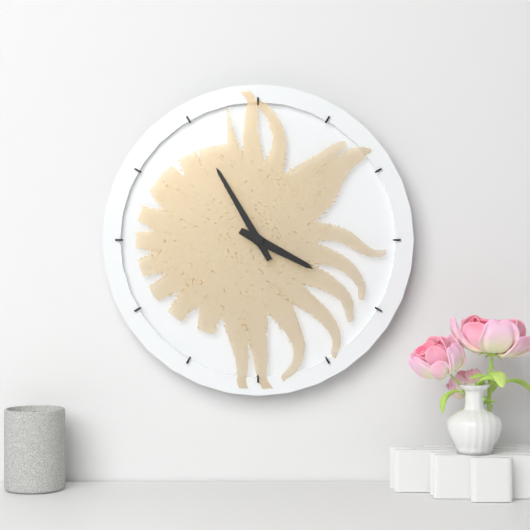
**3:55**
